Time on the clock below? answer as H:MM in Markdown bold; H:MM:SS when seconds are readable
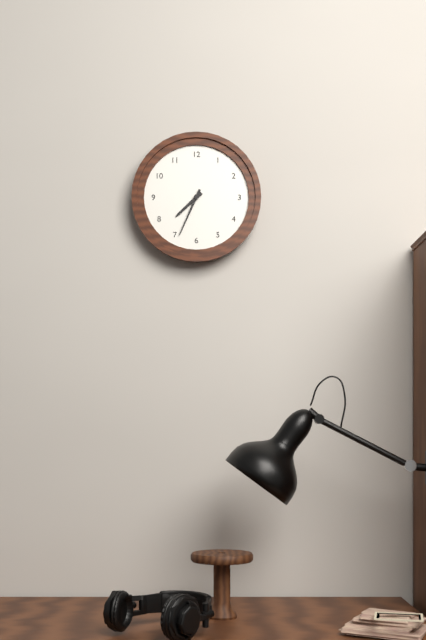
**7:34**
